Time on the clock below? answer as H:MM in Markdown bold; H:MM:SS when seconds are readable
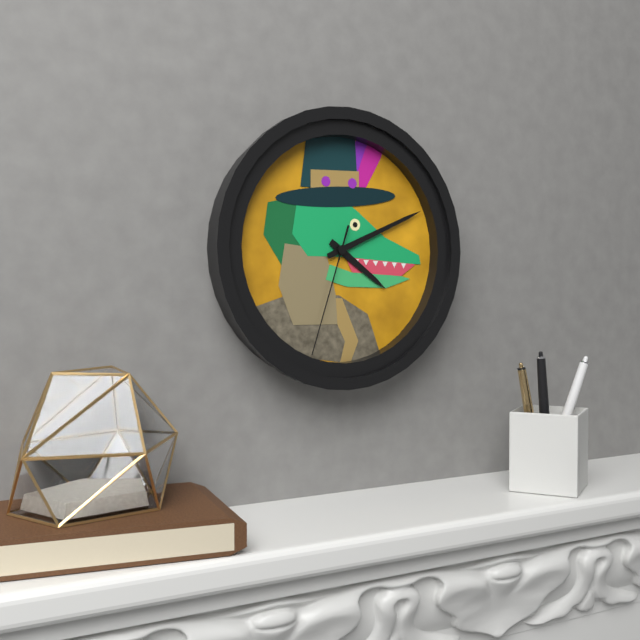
**4:11:33**
